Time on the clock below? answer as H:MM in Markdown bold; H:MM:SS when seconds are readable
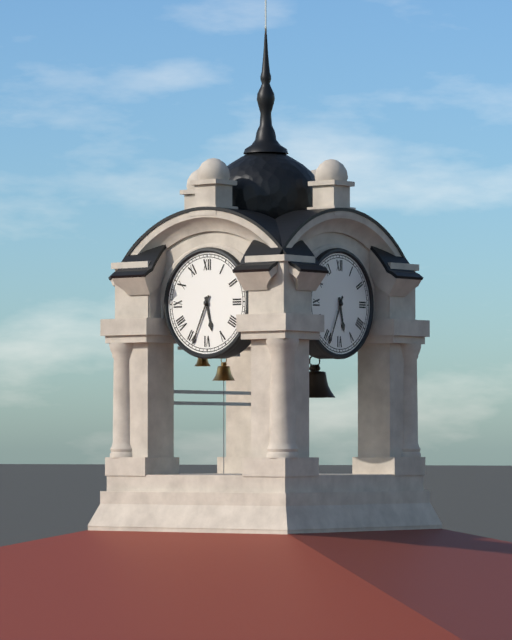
**5:34**
